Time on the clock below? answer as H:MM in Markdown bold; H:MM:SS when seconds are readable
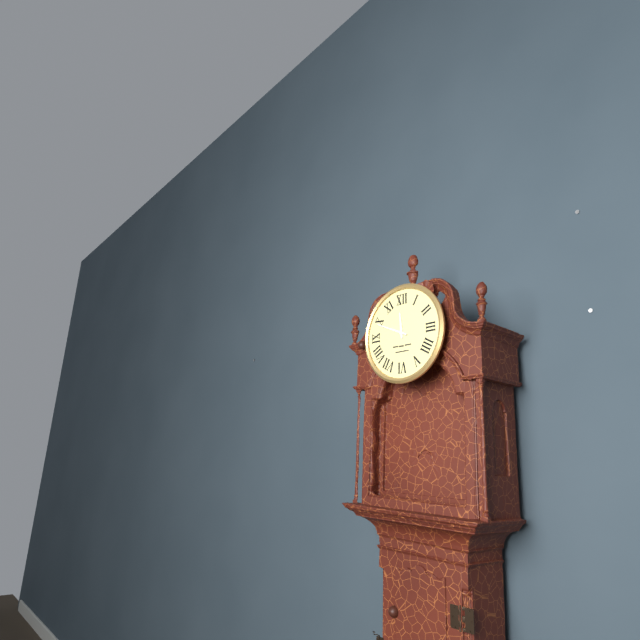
**11:49**
